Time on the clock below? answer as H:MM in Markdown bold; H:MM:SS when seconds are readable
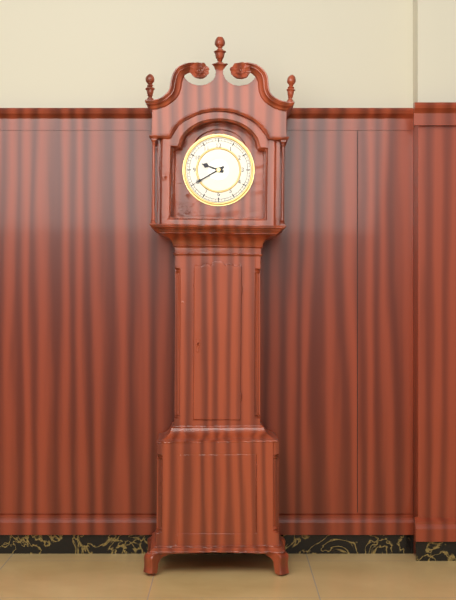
**9:40**
